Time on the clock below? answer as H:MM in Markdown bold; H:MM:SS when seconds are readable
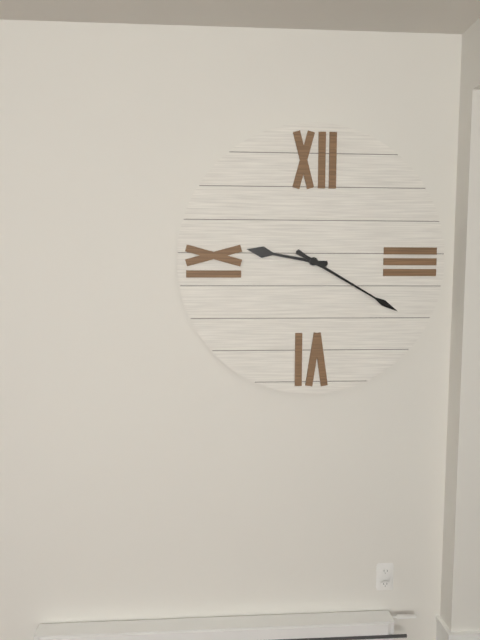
**9:20**
